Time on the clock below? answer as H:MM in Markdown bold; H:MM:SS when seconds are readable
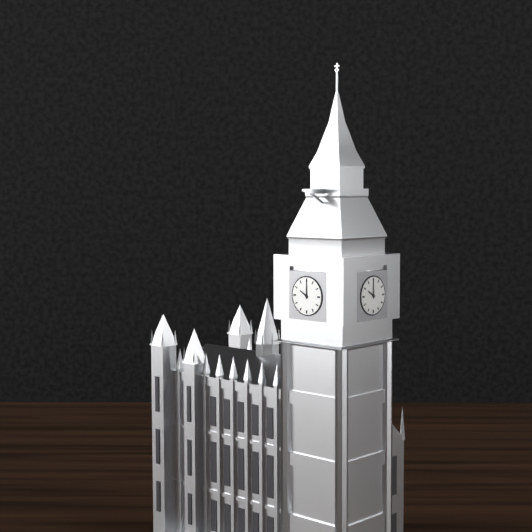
**10:00**
